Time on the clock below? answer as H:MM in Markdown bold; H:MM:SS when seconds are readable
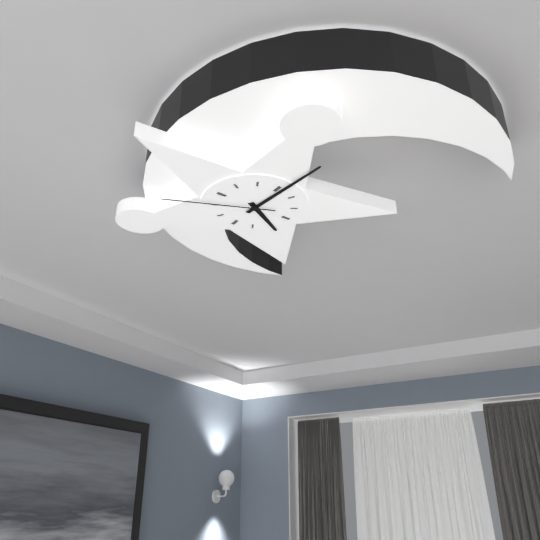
**4:01:41**
